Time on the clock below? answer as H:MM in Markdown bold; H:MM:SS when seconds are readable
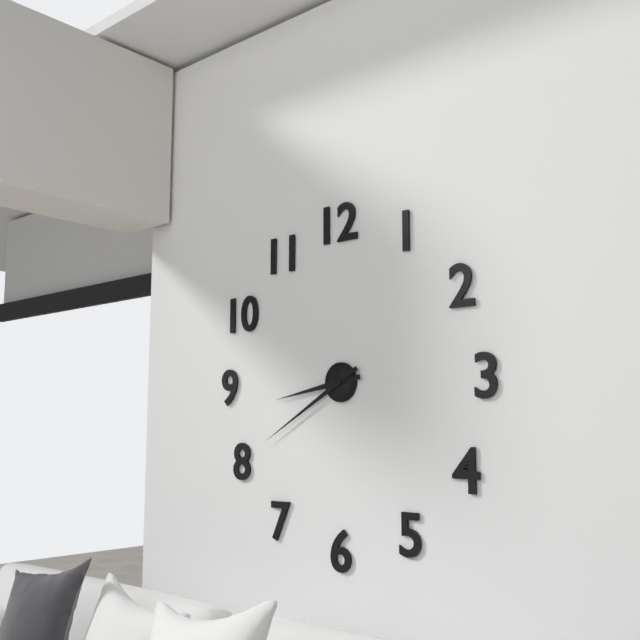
**8:40**
